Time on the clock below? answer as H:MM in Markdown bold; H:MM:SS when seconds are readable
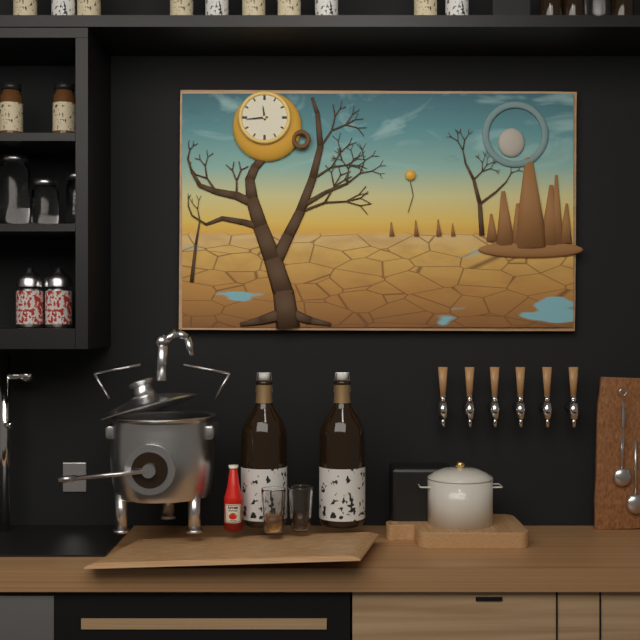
**11:44**
